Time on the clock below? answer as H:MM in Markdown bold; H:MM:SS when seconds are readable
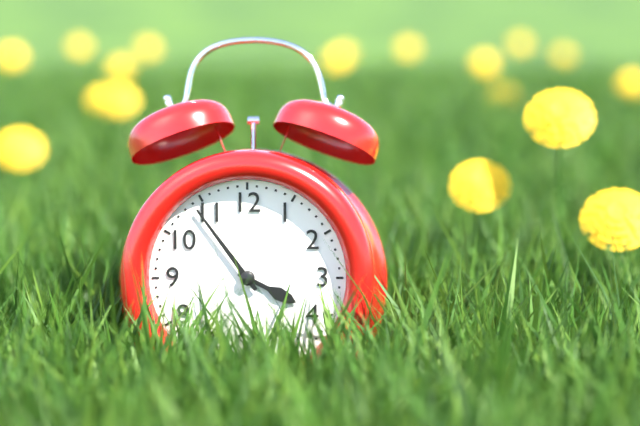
**3:54**
